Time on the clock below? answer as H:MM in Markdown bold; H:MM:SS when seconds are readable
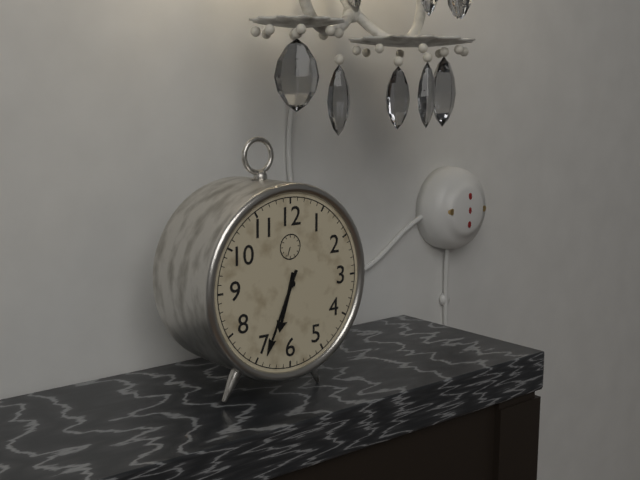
**6:34**
